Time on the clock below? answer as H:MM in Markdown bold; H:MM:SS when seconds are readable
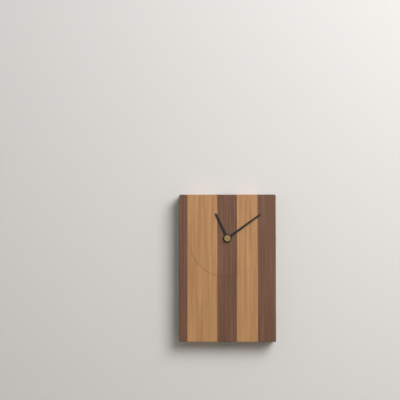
**11:09**
